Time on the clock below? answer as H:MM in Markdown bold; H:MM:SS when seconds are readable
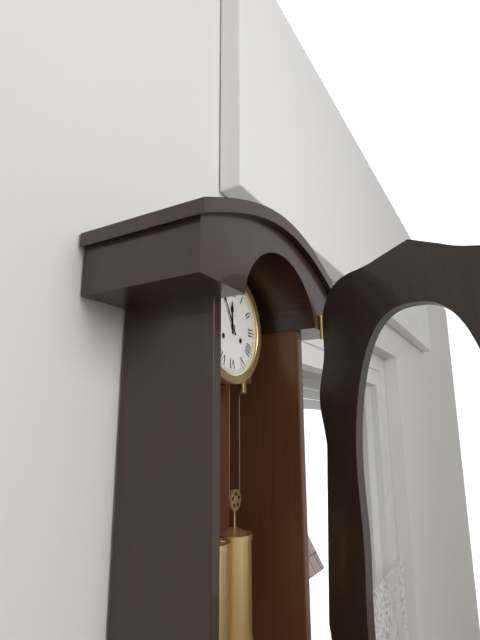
**11:55**
